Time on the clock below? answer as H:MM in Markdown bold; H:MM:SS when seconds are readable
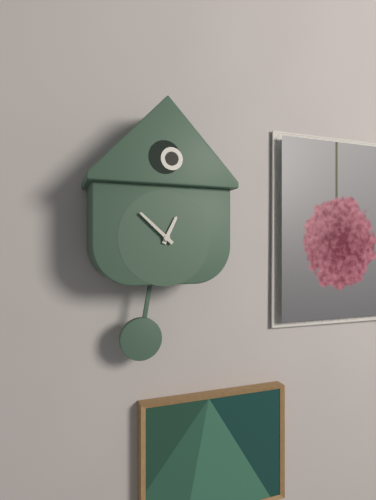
**12:52**
